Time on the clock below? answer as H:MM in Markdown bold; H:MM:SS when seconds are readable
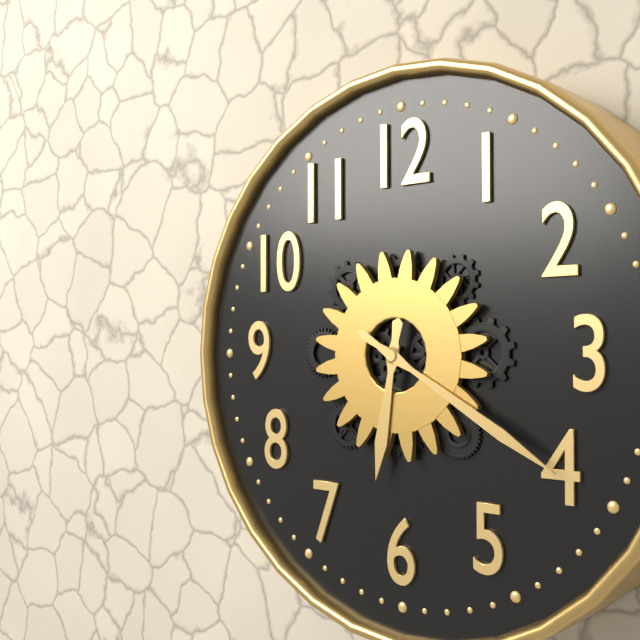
**6:20**
